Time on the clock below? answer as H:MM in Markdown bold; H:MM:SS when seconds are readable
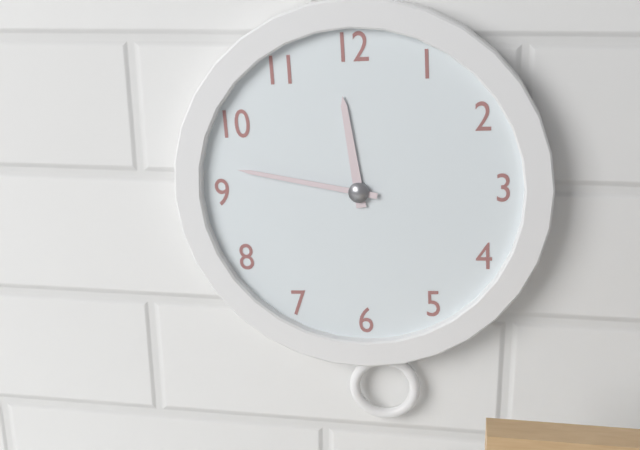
**11:47**
